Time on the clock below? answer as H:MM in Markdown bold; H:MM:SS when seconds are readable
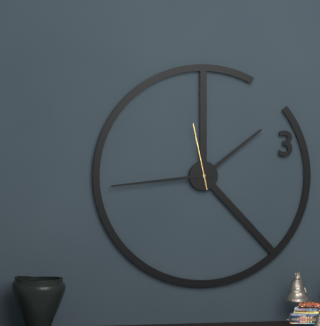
**1:44:58**
